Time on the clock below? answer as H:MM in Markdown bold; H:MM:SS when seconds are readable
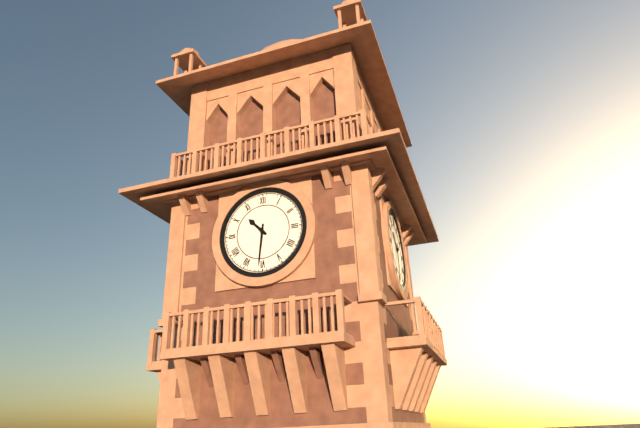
**10:31**
